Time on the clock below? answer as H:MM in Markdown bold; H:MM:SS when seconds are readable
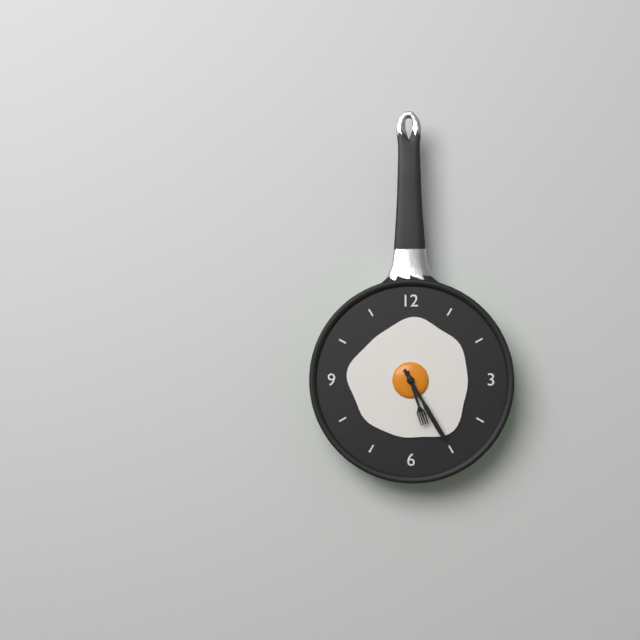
**5:25**
